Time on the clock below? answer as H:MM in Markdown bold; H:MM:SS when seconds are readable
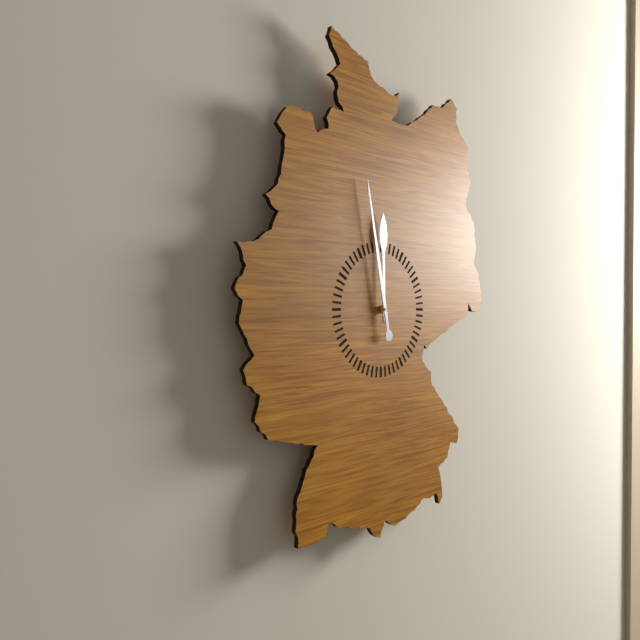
**11:58**
